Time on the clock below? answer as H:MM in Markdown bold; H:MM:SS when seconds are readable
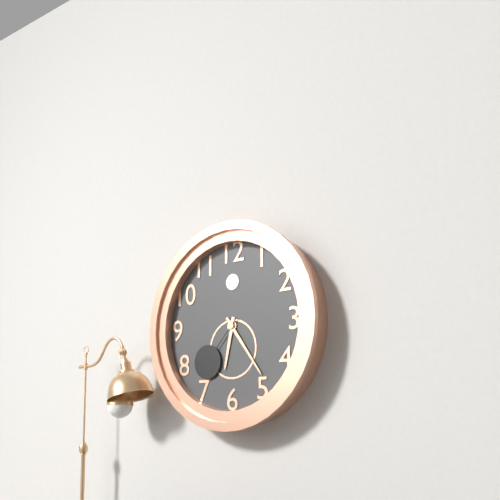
**6:24:37**
